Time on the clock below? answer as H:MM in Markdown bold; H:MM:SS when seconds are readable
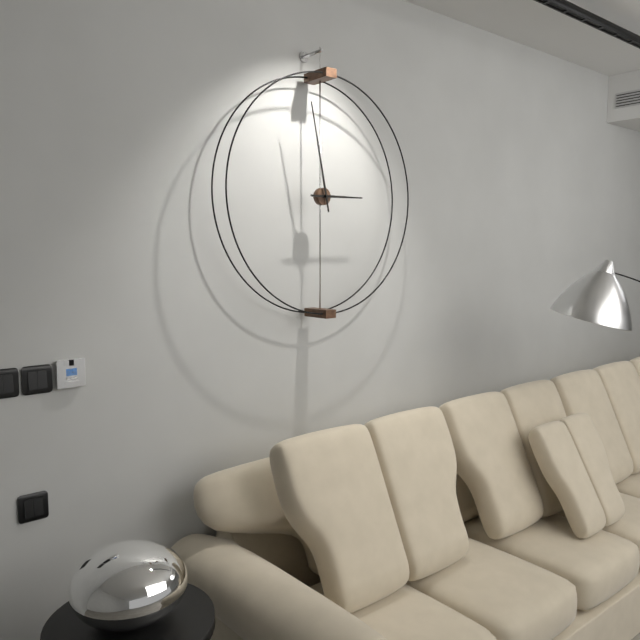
**2:58**
